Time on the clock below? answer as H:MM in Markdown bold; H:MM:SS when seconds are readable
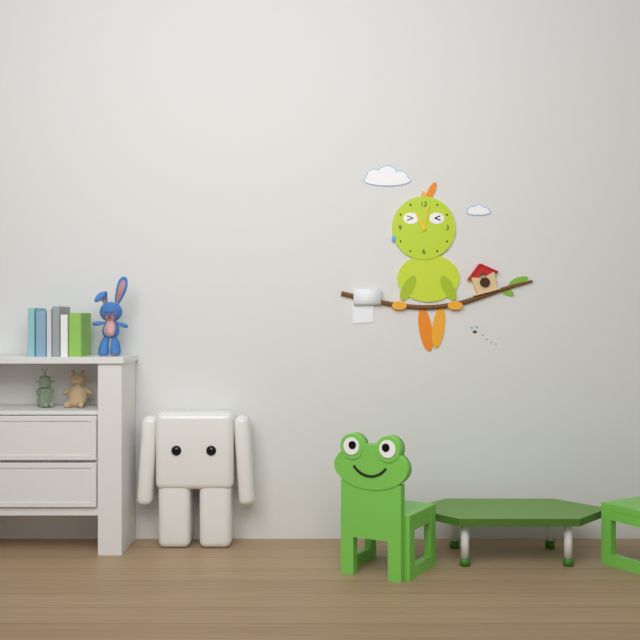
**11:02**
